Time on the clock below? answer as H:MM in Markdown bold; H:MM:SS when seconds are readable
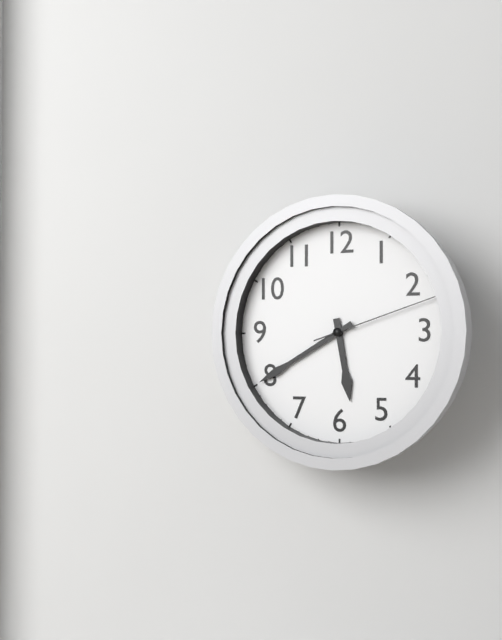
**5:40:12**
